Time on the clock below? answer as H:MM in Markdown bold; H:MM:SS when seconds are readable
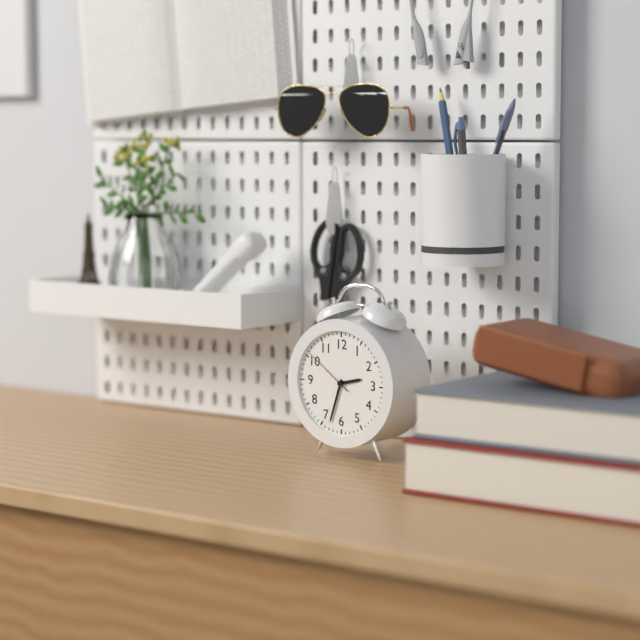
**2:33:51**
